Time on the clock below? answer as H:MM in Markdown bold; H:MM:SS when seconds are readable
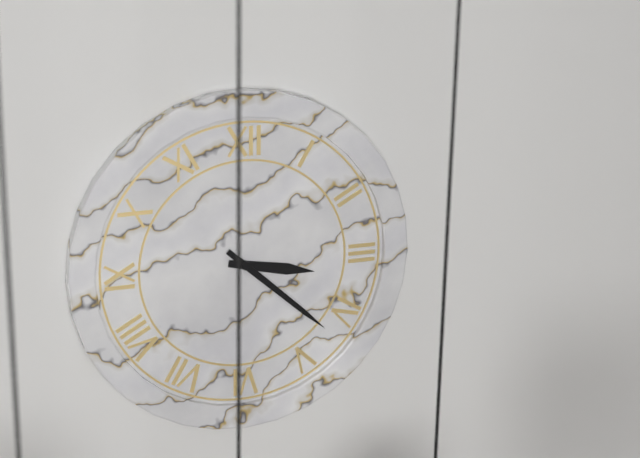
**3:22**
